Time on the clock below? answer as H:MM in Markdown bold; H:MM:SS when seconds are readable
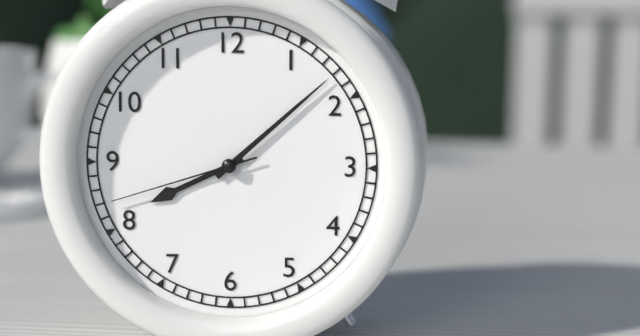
**8:08:42**
